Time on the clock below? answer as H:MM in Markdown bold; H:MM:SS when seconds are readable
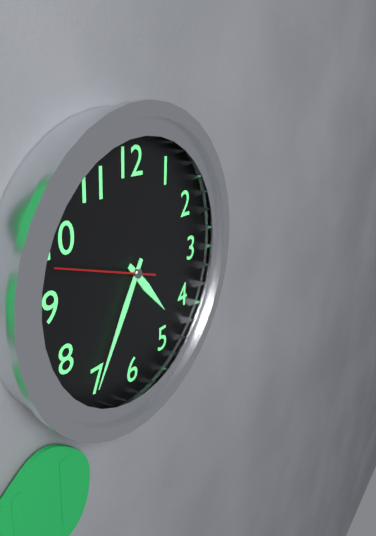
**4:35:48**
